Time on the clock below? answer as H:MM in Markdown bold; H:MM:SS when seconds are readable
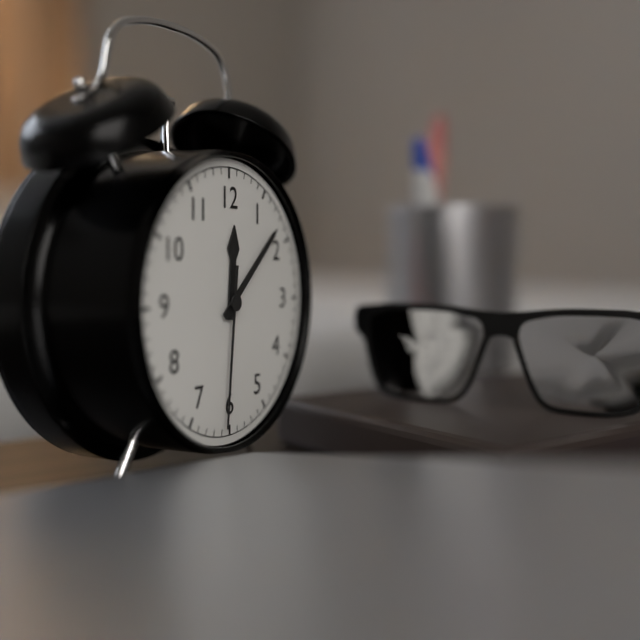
**12:08:31**
